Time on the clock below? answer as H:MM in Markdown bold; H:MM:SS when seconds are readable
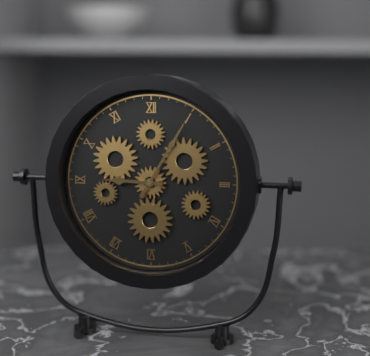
**9:05**
